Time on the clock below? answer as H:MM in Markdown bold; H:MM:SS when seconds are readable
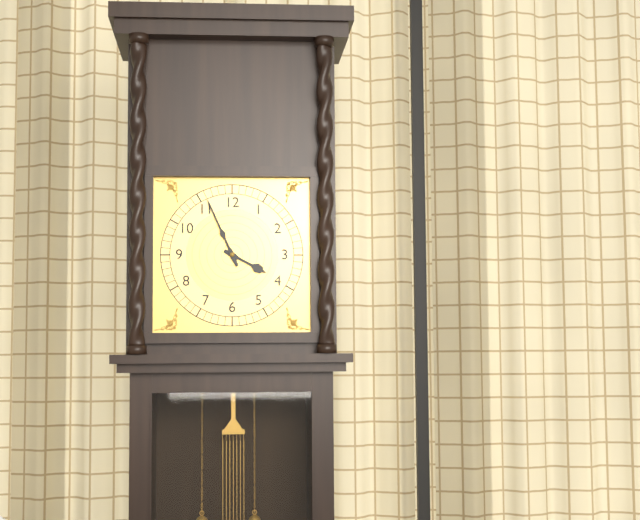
**3:56**
